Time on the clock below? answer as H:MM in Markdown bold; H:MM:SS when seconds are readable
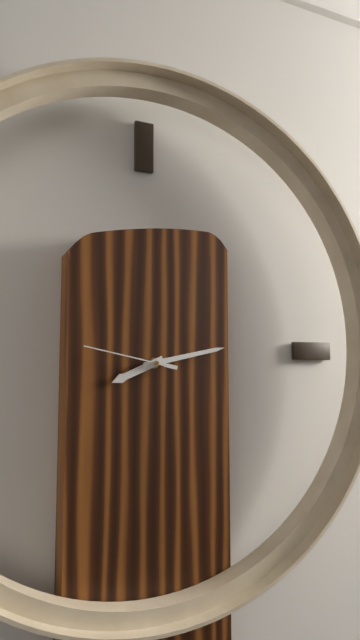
**8:13:47**
